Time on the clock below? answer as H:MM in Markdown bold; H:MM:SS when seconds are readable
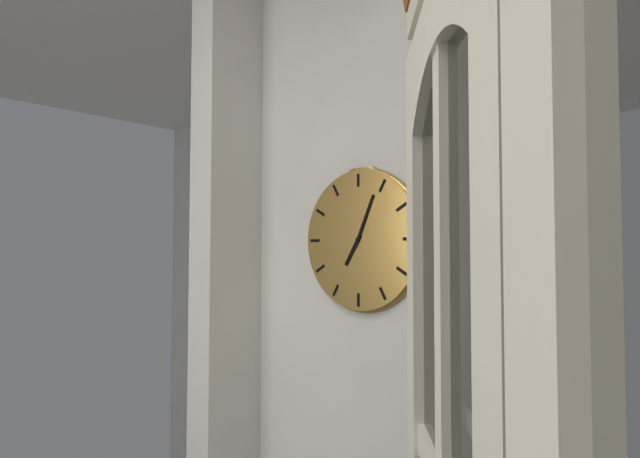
**7:04**
